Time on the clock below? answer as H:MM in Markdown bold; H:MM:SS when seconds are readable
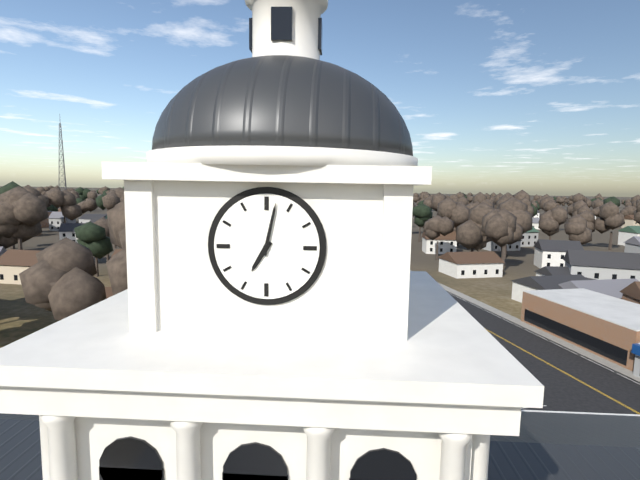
**7:02**
